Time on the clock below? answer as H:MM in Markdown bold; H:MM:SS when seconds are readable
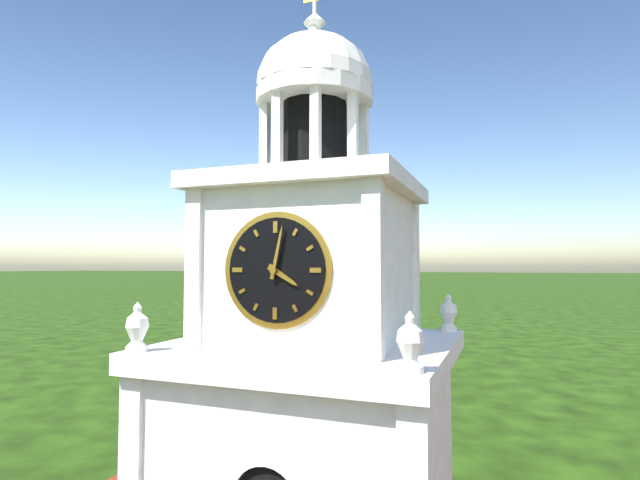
**4:02**
